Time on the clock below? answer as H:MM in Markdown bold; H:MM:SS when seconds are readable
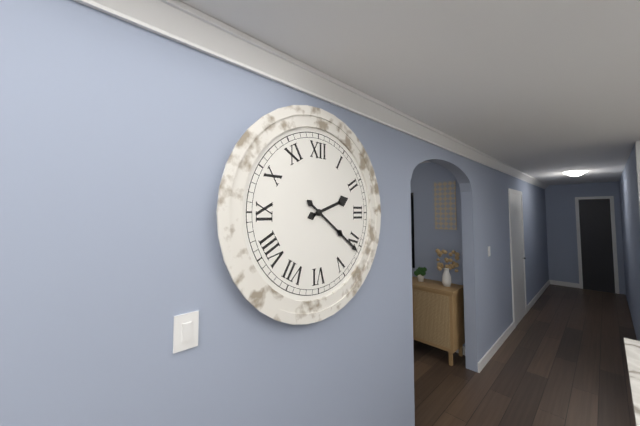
**2:21**
